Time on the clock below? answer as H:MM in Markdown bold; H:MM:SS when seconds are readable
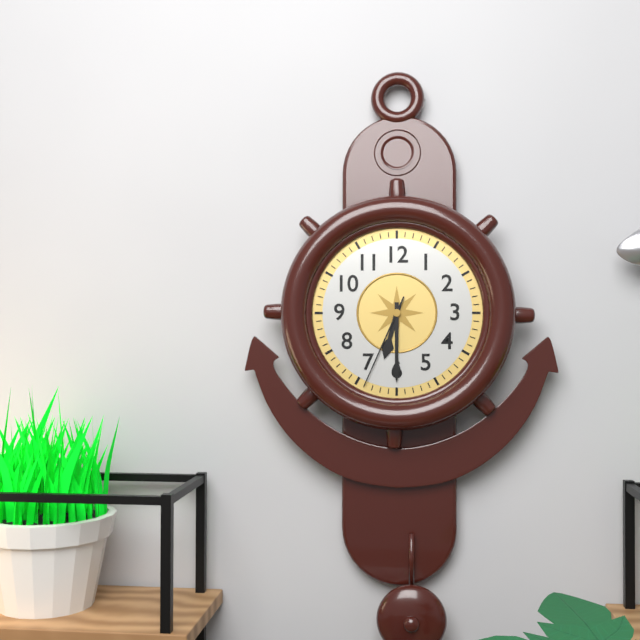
**6:30:34**
